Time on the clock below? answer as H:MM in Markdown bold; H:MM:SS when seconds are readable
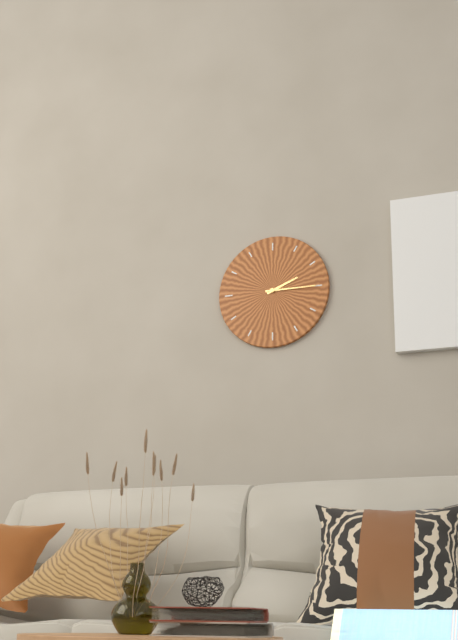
**2:15**
